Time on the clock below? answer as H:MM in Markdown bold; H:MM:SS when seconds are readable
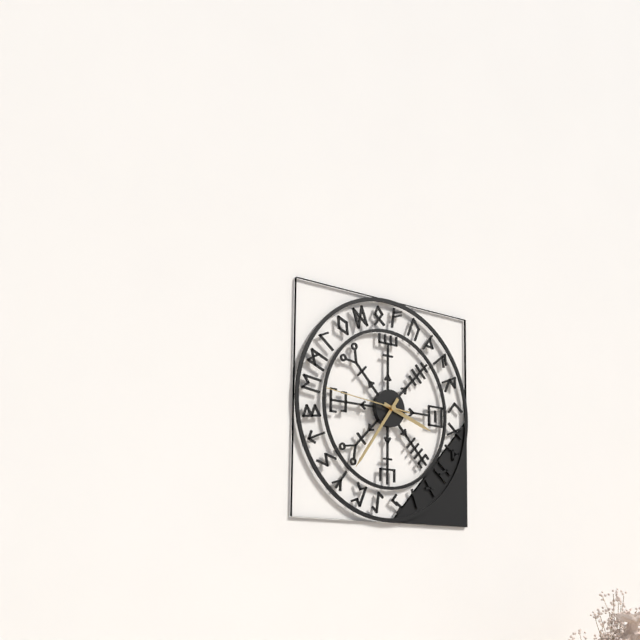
**3:36:46**
